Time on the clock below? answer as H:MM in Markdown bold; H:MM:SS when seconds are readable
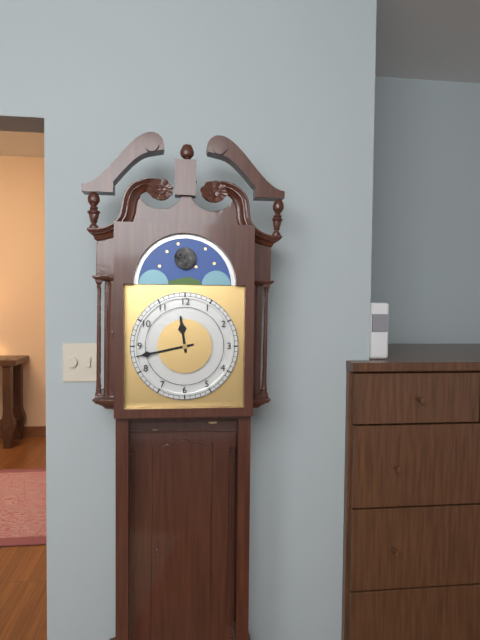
**11:43**
